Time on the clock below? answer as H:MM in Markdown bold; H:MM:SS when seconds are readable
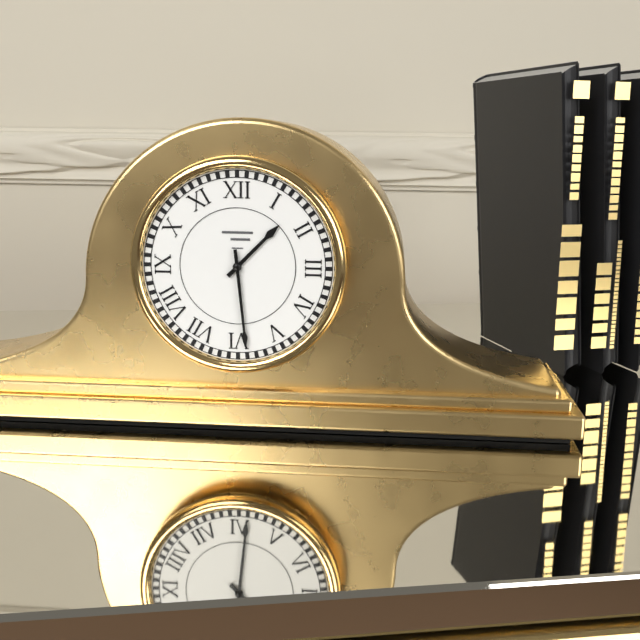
**1:29**
